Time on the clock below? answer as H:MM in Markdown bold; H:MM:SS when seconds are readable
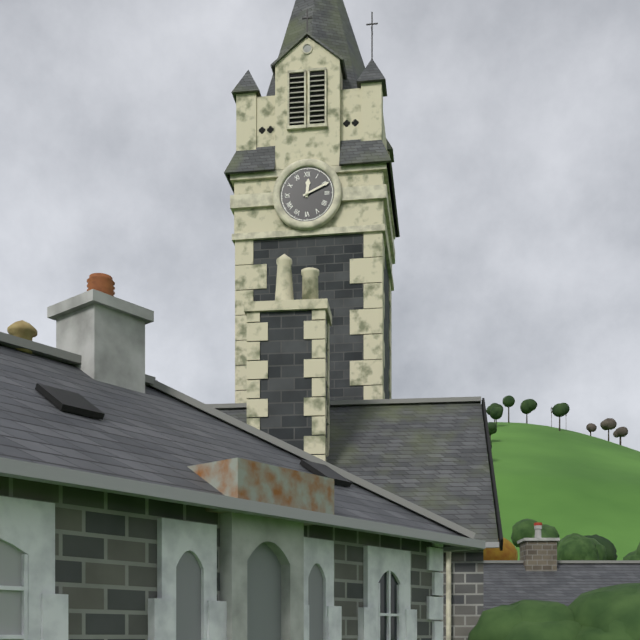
**12:11**
